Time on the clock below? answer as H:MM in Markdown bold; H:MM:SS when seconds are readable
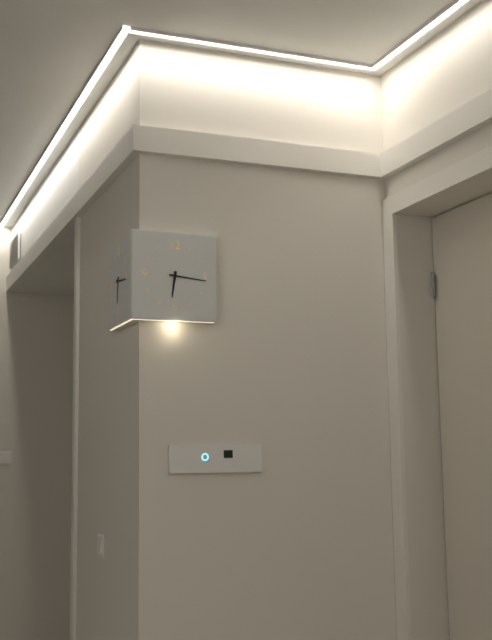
**6:16**
